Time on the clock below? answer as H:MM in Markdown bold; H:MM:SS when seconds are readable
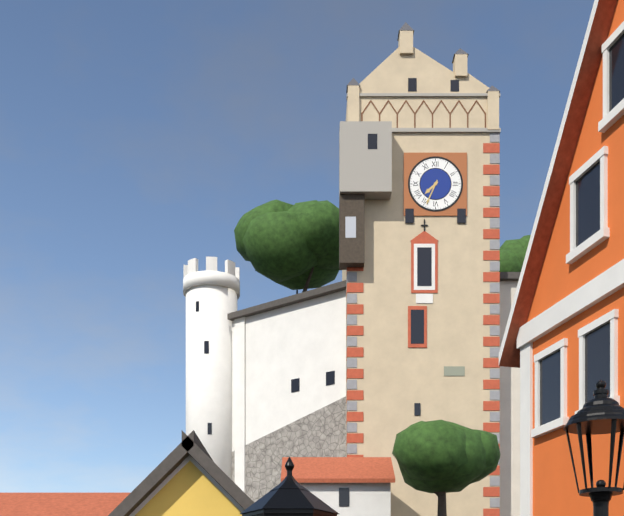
**7:34**
